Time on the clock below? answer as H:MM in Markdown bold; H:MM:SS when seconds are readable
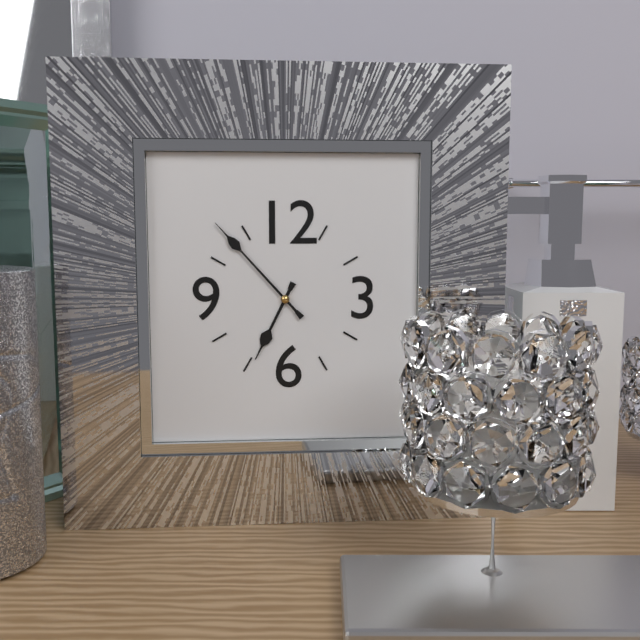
**6:53**
